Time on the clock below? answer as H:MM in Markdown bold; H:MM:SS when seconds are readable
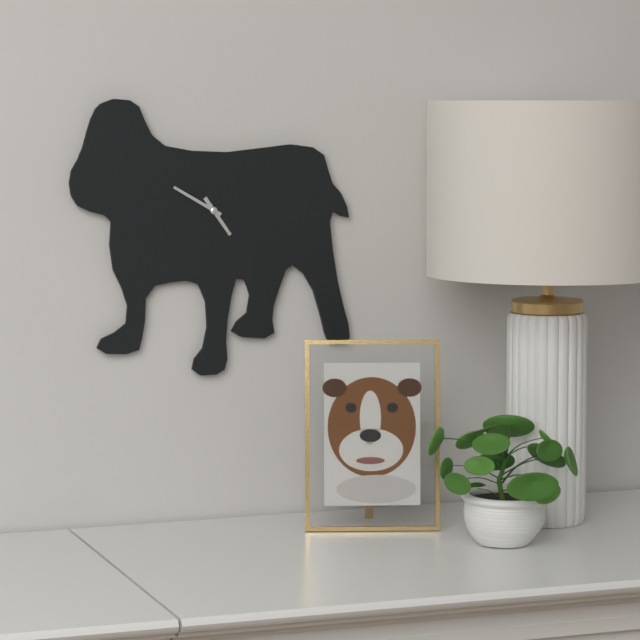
**4:50**
